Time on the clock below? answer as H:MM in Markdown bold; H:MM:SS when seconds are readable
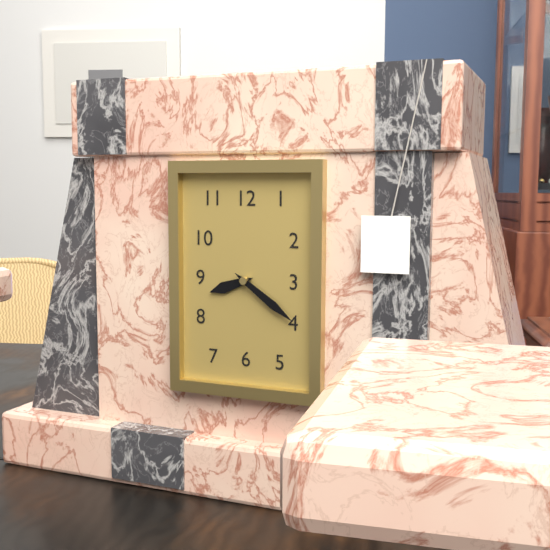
**8:21**
